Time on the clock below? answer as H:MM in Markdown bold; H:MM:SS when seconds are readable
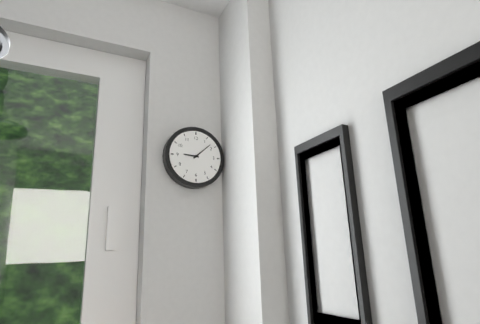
**9:08**
